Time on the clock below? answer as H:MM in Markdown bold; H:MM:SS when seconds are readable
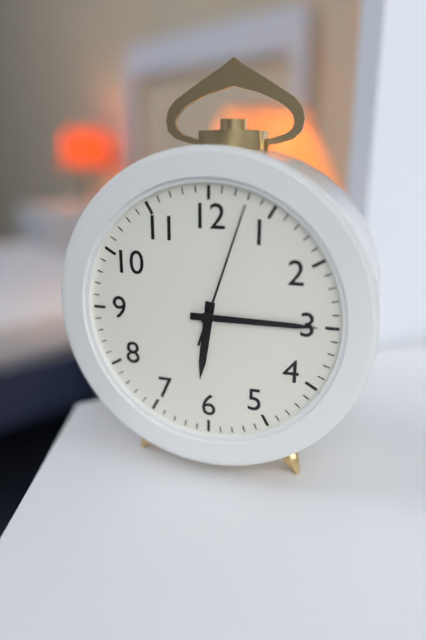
**6:15:03**
